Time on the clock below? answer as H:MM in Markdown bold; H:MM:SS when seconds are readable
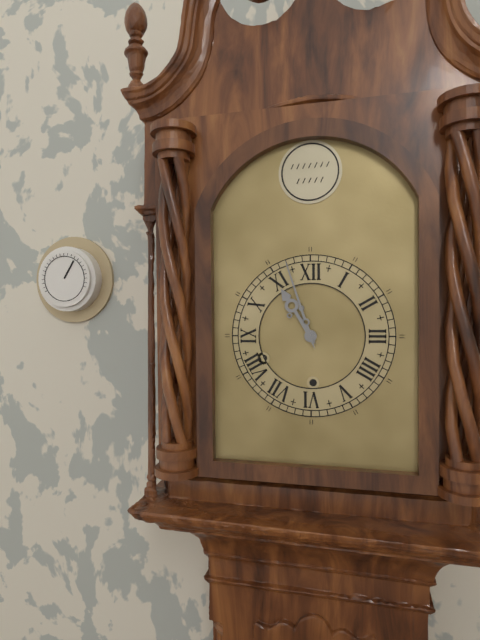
**10:57**
